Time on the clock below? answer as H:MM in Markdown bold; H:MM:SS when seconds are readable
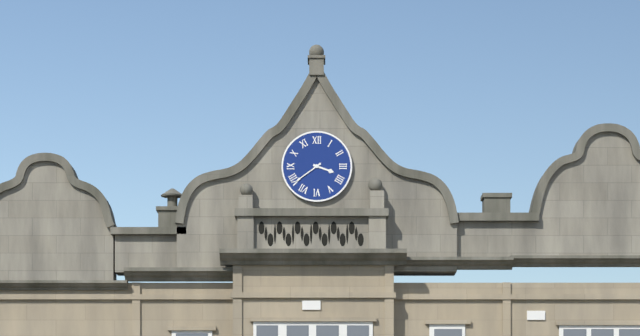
**3:39**
